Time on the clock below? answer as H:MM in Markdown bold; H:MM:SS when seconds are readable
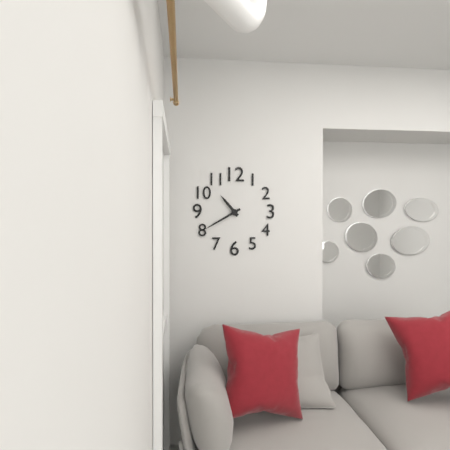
**10:40**
